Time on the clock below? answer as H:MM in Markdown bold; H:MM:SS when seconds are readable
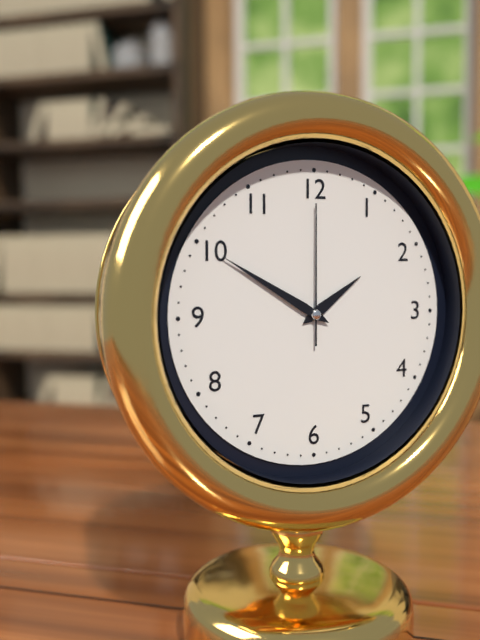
**1:50:00**
